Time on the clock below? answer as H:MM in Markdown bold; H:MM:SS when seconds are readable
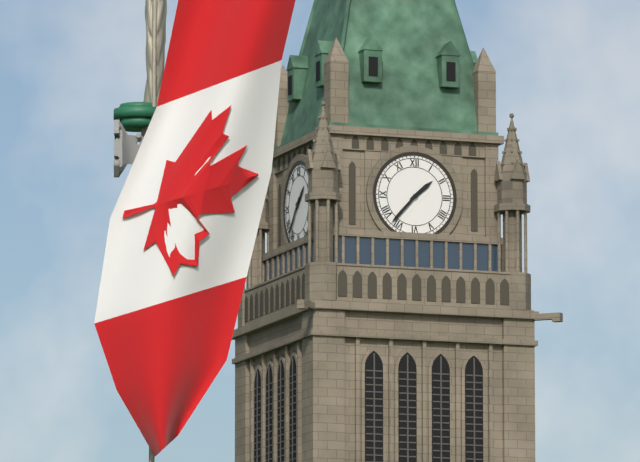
**1:37**
